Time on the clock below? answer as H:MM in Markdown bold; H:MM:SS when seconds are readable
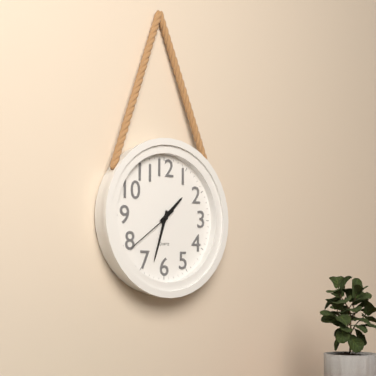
**1:33:39**
